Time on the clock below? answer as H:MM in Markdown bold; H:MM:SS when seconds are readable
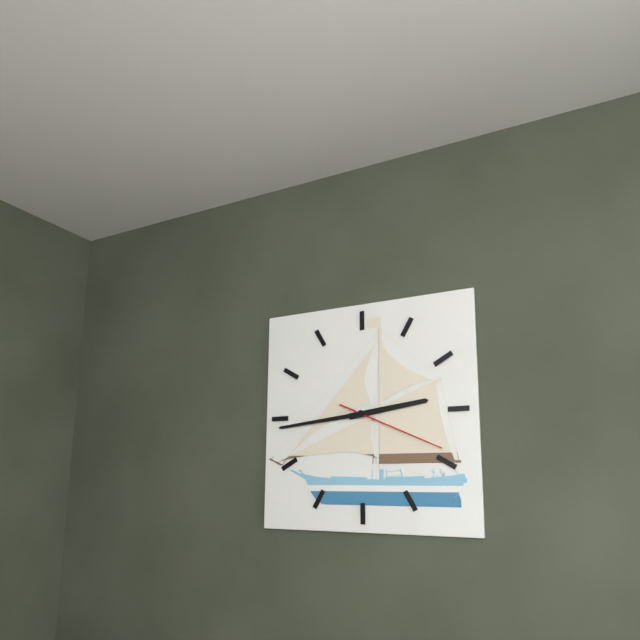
**2:44:19**
